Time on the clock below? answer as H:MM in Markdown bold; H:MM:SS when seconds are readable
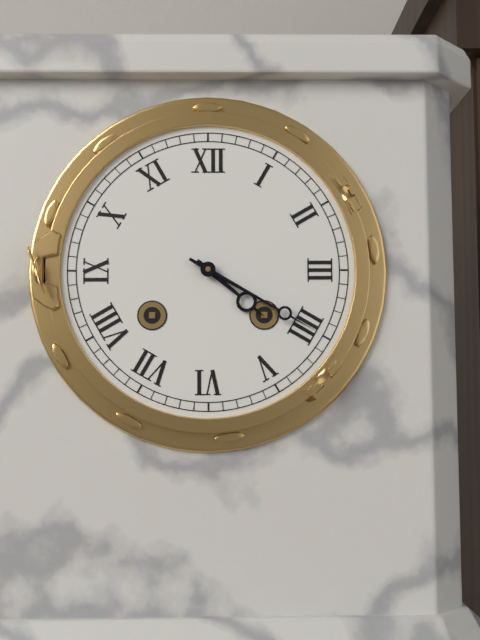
**4:20**
